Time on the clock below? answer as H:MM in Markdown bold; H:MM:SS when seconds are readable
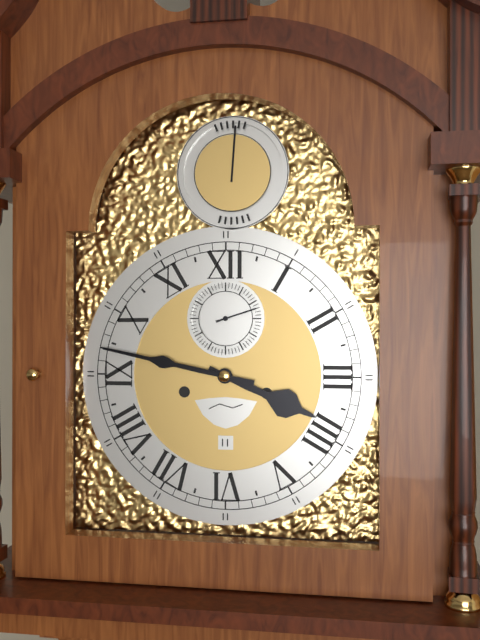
**3:47**
